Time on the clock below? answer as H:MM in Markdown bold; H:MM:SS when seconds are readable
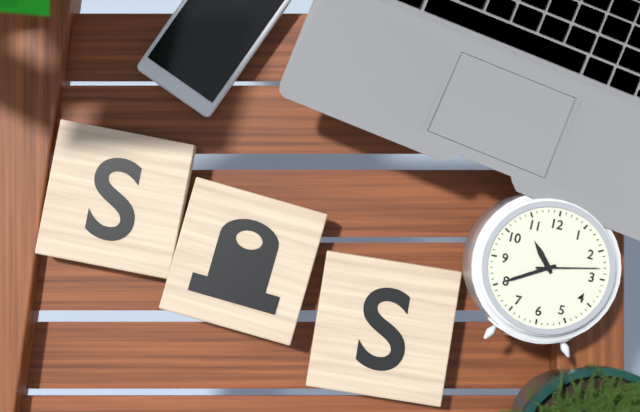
**10:40:13**
